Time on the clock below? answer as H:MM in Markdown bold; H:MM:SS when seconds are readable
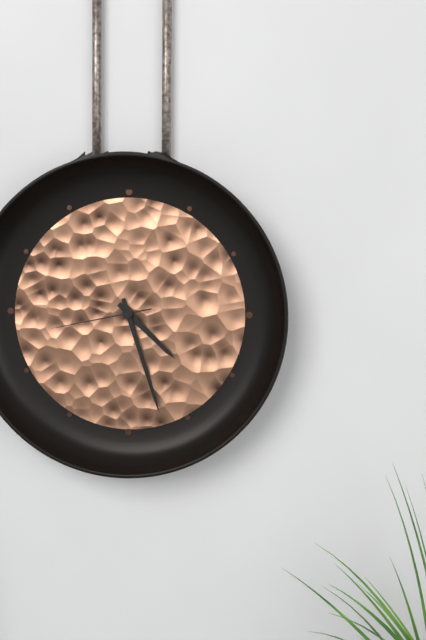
**4:27:43**
